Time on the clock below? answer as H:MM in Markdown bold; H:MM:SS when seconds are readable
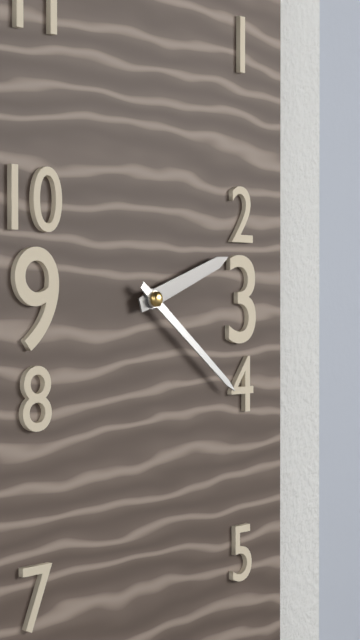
**2:21**
